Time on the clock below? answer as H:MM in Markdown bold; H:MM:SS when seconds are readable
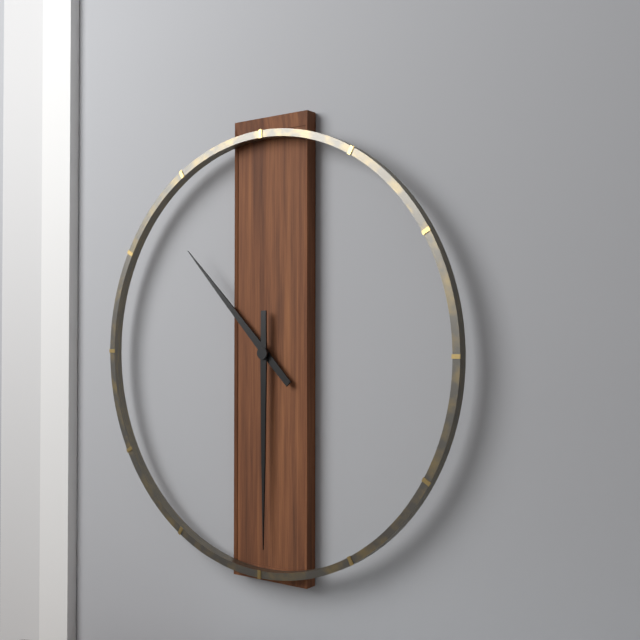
**10:30**
